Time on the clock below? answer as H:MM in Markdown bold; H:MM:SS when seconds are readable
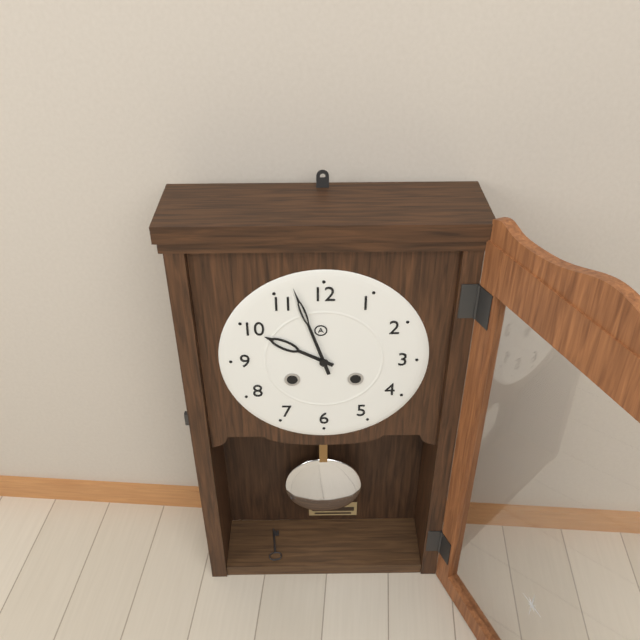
**9:57**
